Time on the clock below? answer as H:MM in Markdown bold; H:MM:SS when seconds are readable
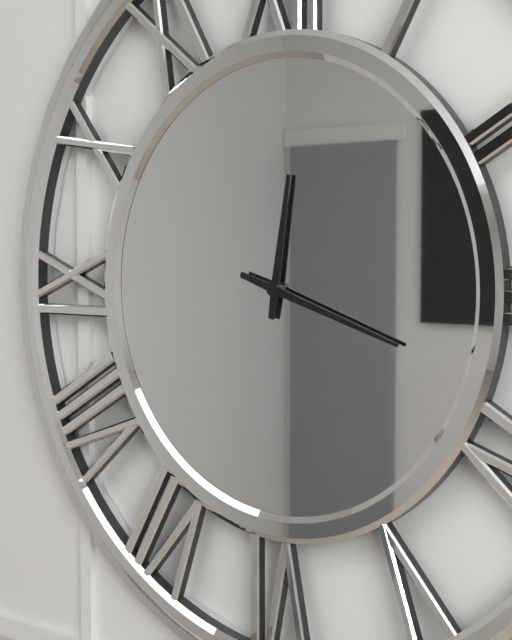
**12:18**
